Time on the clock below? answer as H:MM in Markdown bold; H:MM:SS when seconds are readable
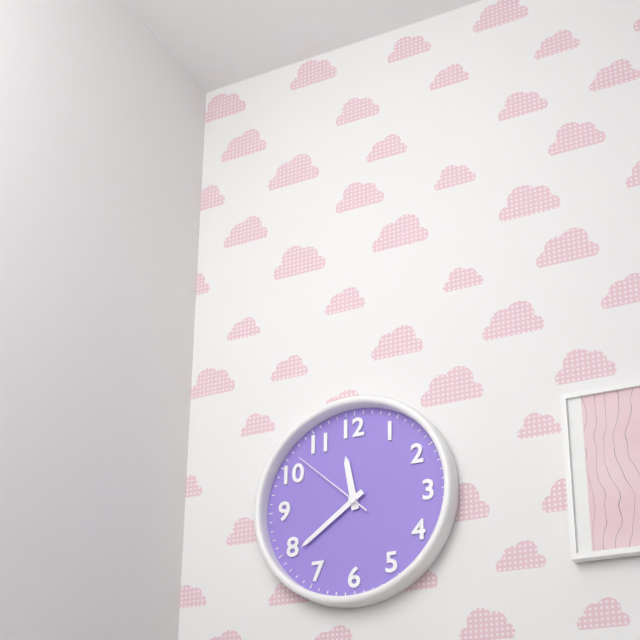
**11:39:52**
